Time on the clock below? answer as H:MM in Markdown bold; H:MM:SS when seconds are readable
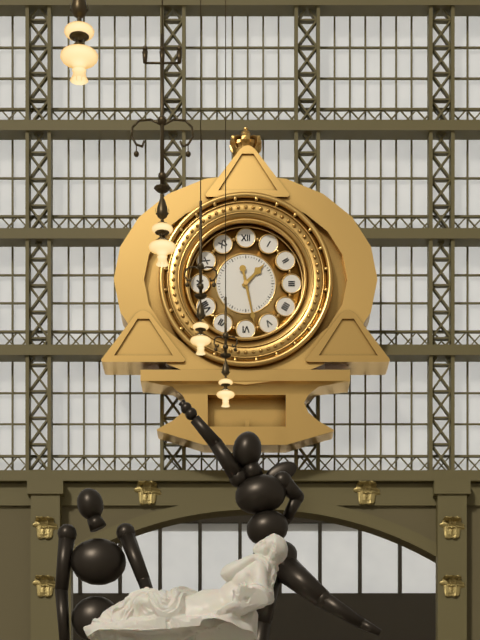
**1:28**
